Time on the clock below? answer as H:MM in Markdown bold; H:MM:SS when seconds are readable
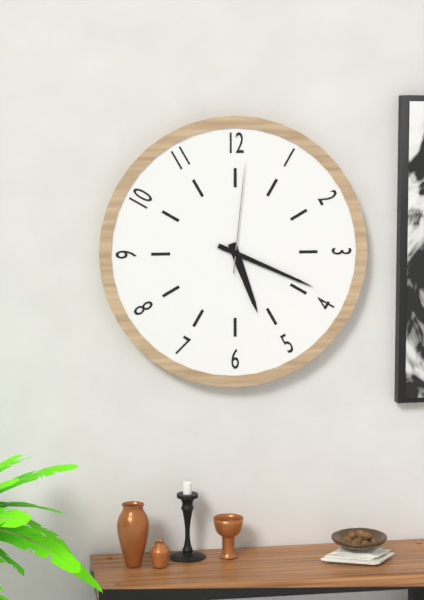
**5:19:01**
